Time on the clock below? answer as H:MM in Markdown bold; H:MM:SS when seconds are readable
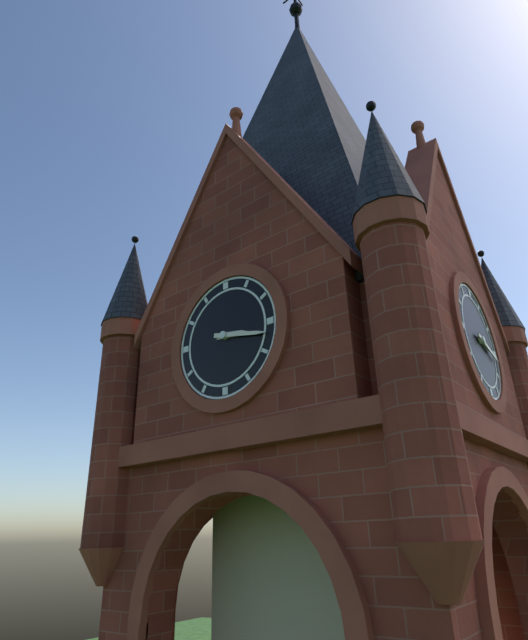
**3:17**
